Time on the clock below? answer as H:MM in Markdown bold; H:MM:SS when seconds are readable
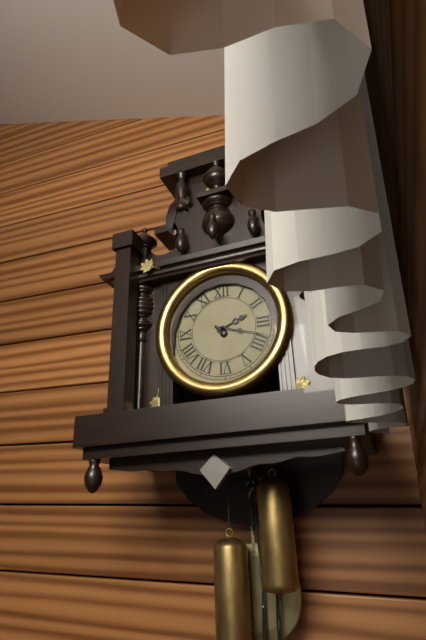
**2:18**
